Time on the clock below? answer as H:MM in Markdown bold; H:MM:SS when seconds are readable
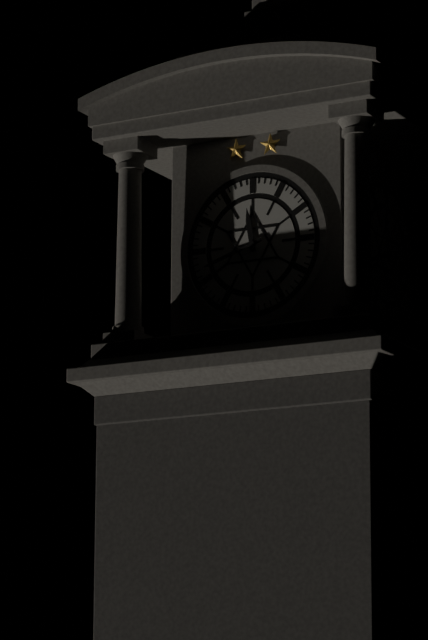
**11:42**
